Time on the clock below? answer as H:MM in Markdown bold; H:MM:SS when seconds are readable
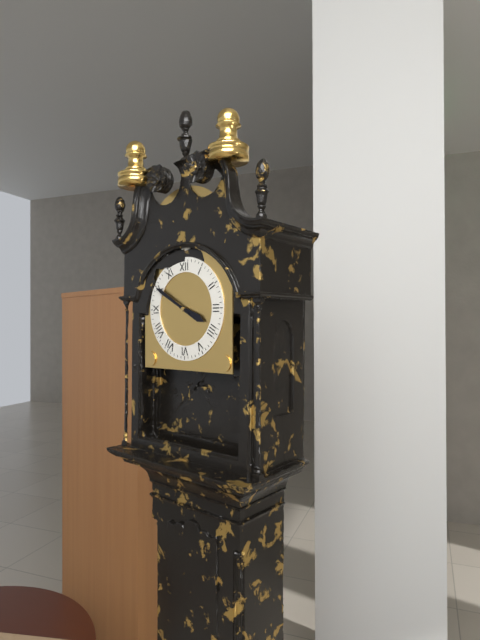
**3:50**
